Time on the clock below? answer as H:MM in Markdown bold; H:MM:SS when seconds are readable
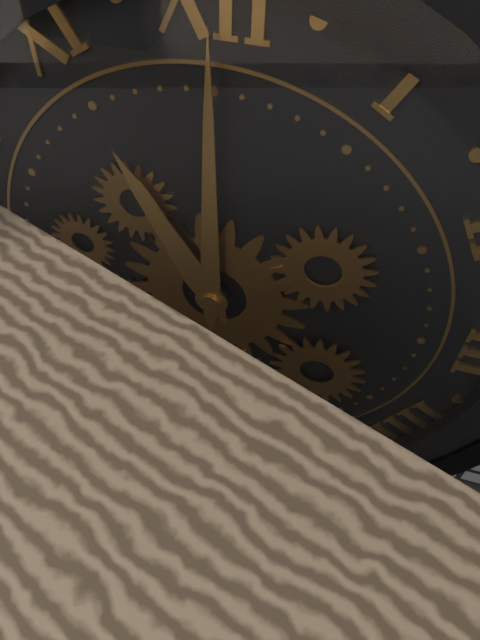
**11:00**
